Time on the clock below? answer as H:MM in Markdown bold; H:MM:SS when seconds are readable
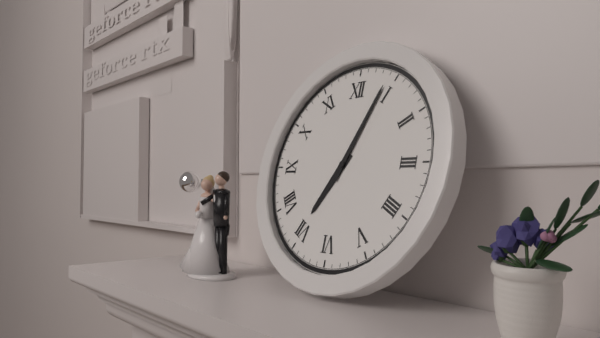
**7:04**
